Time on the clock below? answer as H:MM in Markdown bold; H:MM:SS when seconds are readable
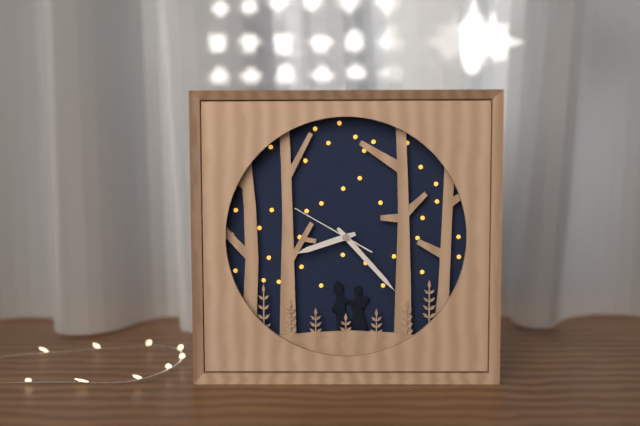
**8:23:50**
